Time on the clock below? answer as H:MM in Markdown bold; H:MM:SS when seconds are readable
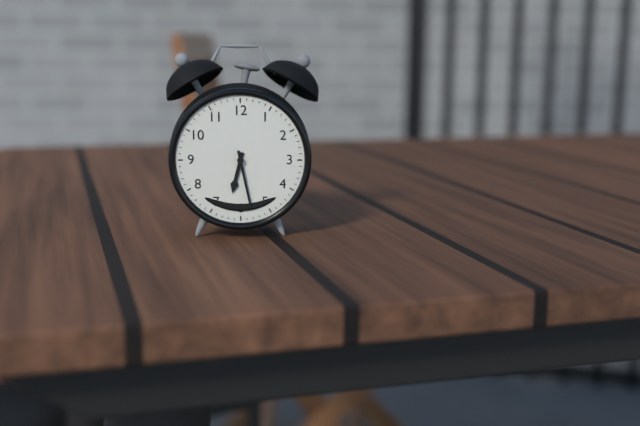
**6:28**
